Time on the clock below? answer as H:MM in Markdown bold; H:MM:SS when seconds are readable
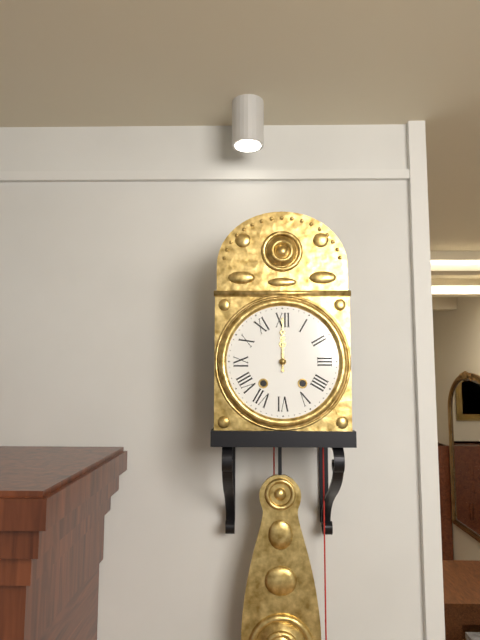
**12:00**
